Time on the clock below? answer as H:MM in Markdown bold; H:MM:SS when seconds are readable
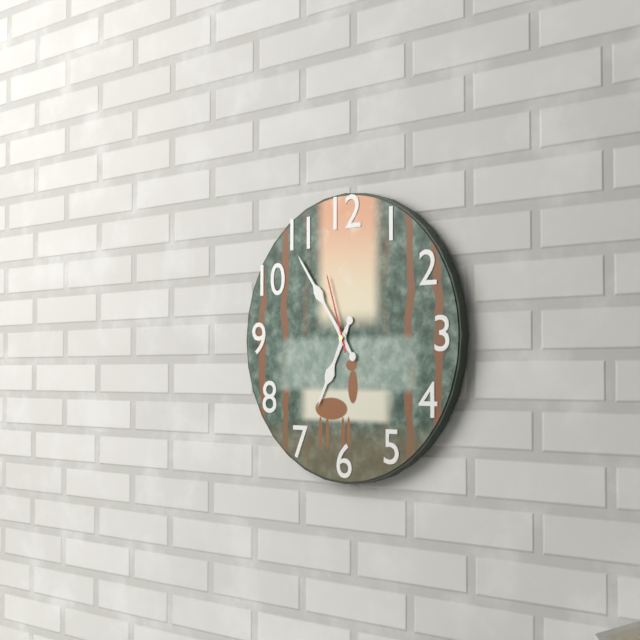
**6:54:57**
